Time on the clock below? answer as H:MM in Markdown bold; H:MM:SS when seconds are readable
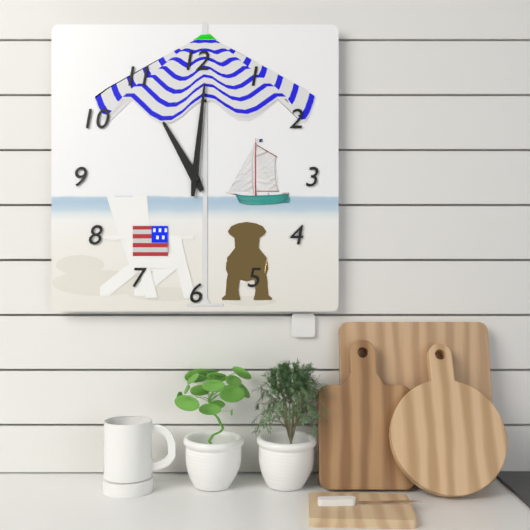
**11:01**
